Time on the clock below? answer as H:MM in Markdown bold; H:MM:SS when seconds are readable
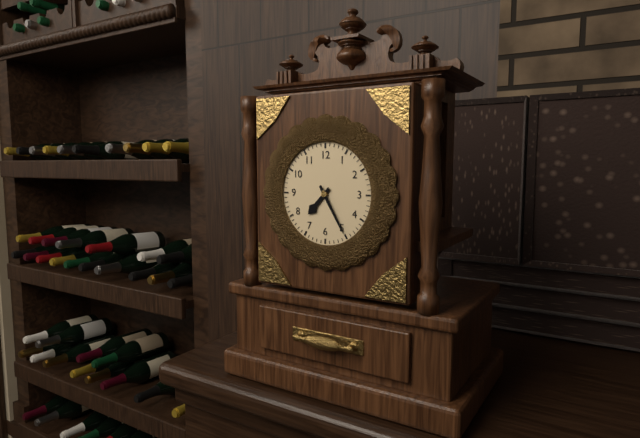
**7:25**
